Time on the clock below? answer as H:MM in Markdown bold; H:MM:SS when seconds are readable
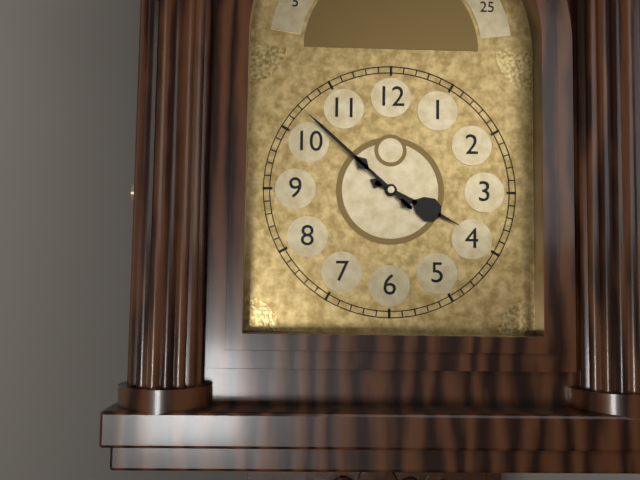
**3:52**
